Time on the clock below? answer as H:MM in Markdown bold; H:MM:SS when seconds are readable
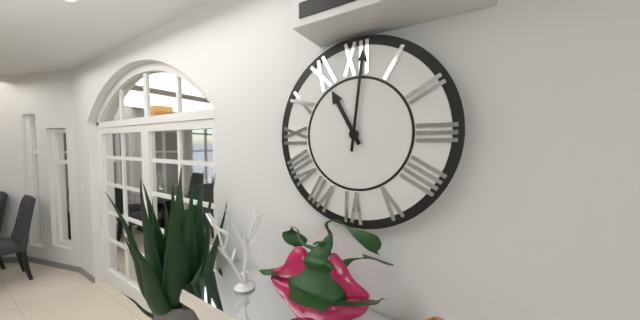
**11:01**
